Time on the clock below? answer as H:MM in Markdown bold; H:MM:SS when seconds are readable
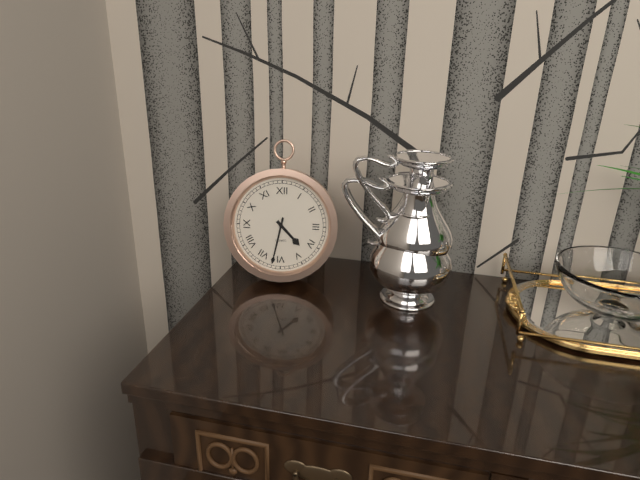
**4:32**
